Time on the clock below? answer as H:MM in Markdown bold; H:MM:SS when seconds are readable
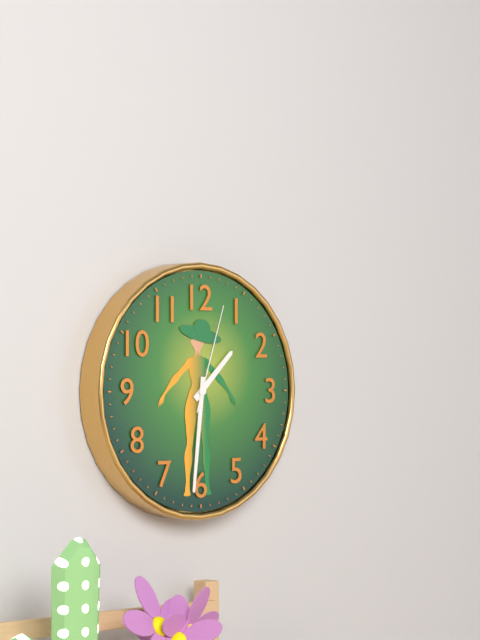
**1:31:03**
